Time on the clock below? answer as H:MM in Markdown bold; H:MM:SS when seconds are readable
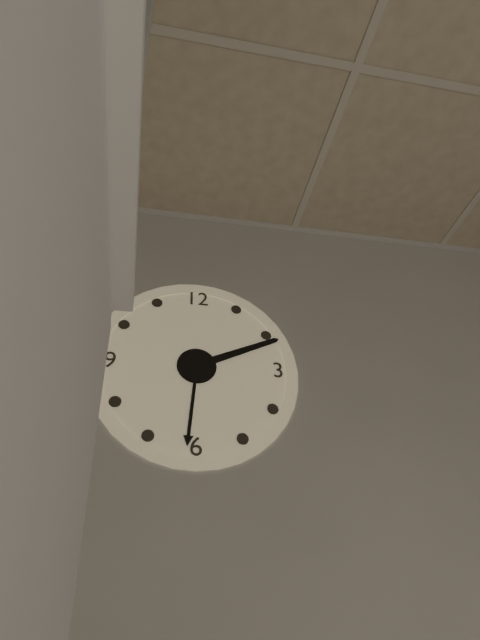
**6:11**
